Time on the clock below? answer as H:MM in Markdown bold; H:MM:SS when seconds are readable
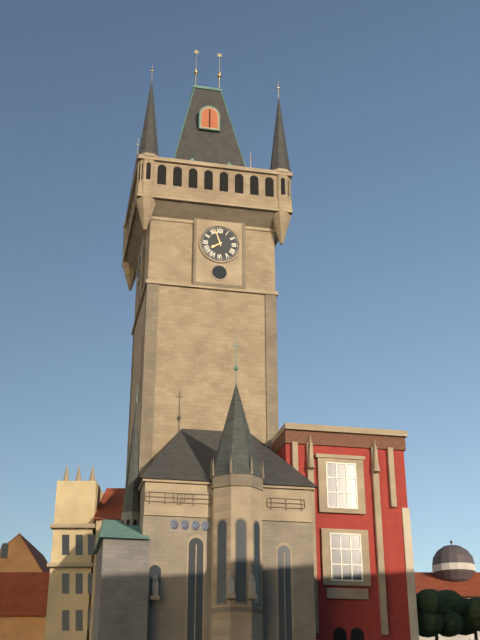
**7:57**
